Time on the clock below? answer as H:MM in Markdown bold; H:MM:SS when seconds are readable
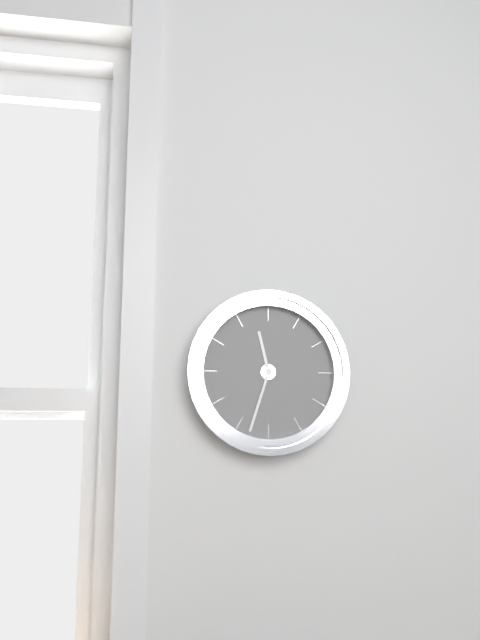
**11:33**
